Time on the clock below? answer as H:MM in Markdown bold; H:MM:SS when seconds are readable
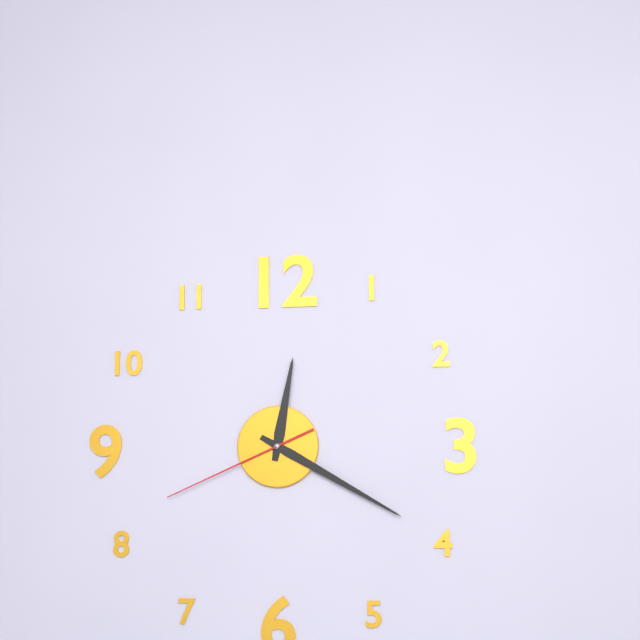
**12:20:41**
